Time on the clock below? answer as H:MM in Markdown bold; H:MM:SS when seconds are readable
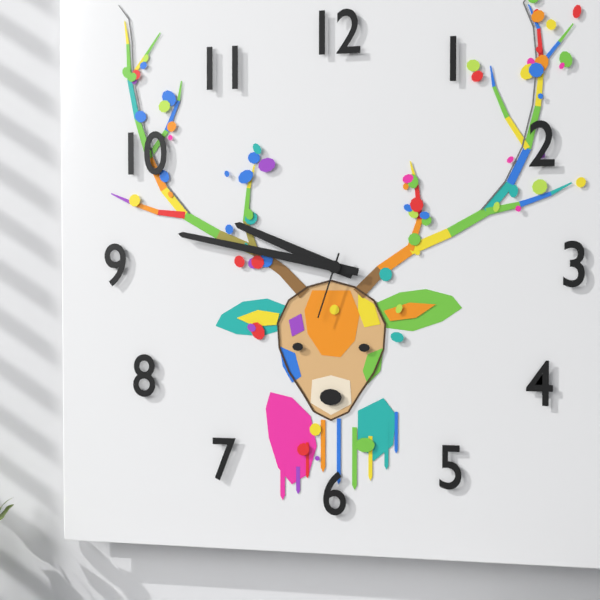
**9:47:33**
